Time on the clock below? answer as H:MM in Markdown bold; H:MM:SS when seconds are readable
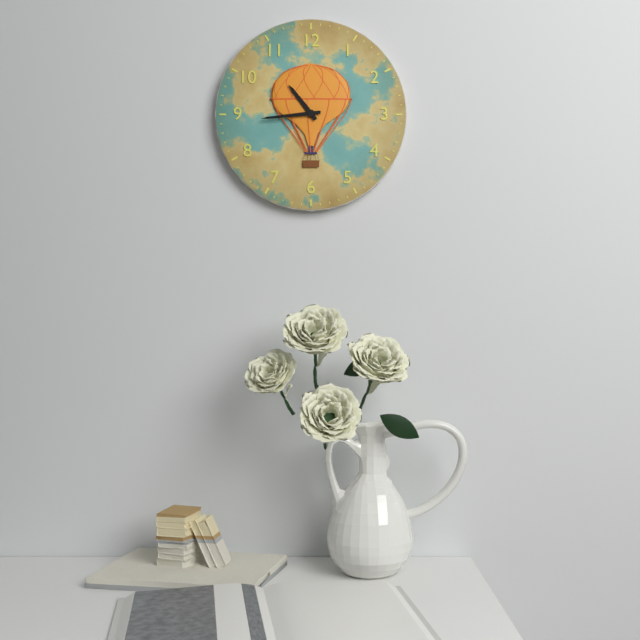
**10:44**
